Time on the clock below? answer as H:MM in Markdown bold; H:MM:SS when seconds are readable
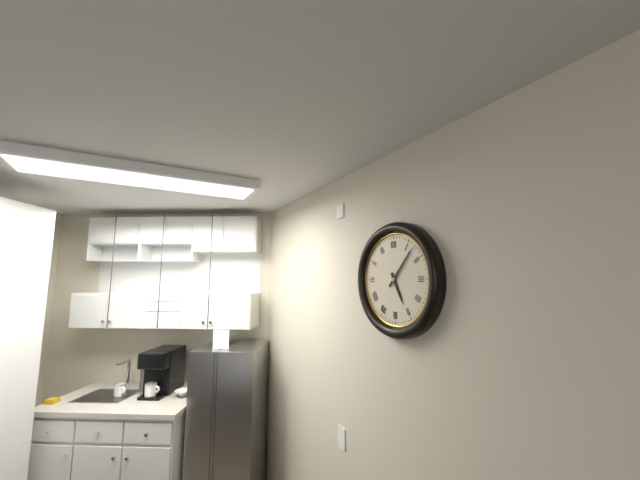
**5:07**
